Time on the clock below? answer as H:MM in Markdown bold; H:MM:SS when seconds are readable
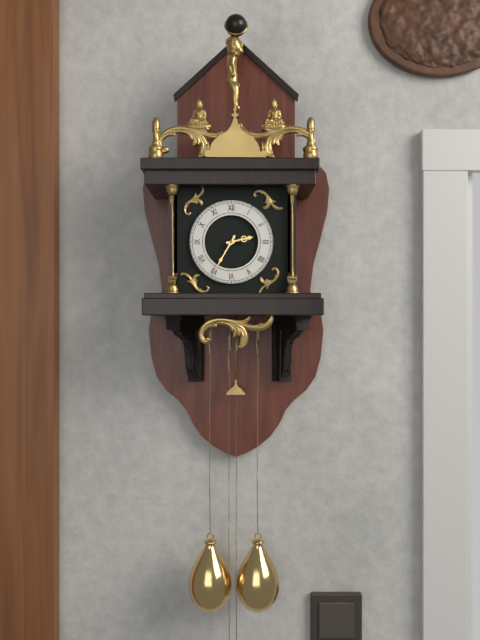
**2:35**
